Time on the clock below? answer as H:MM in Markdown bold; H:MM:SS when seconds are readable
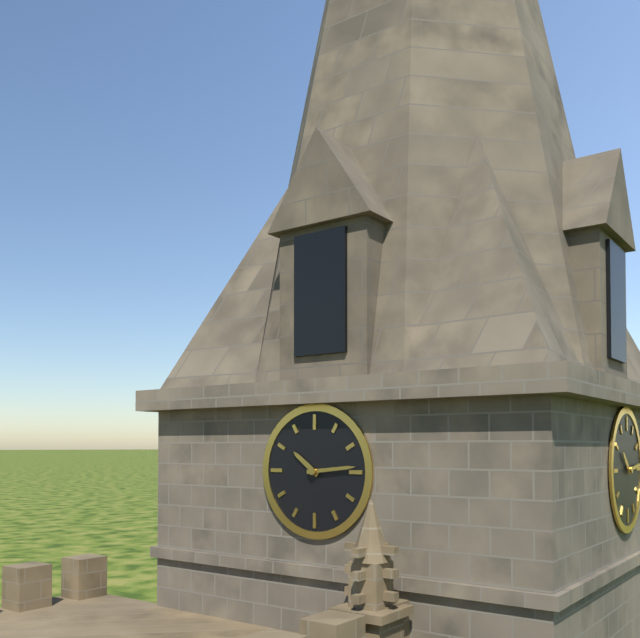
**10:14**
